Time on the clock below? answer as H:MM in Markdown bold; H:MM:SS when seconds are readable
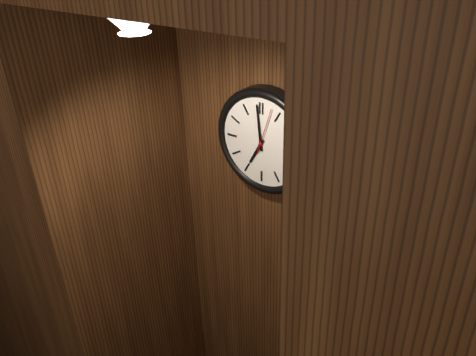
**6:59**
